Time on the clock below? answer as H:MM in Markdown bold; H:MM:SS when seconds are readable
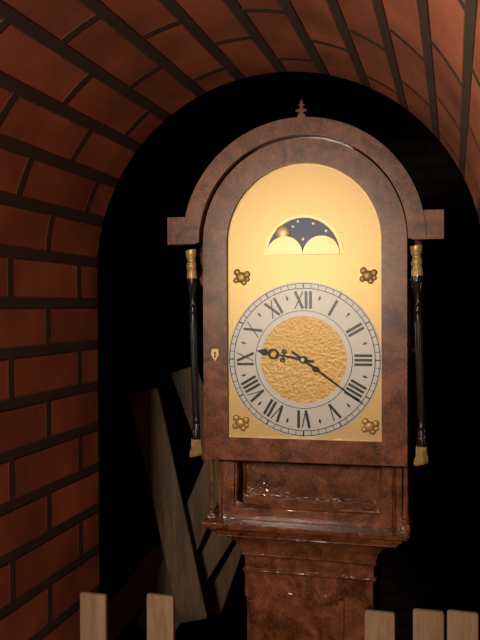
**9:21**
